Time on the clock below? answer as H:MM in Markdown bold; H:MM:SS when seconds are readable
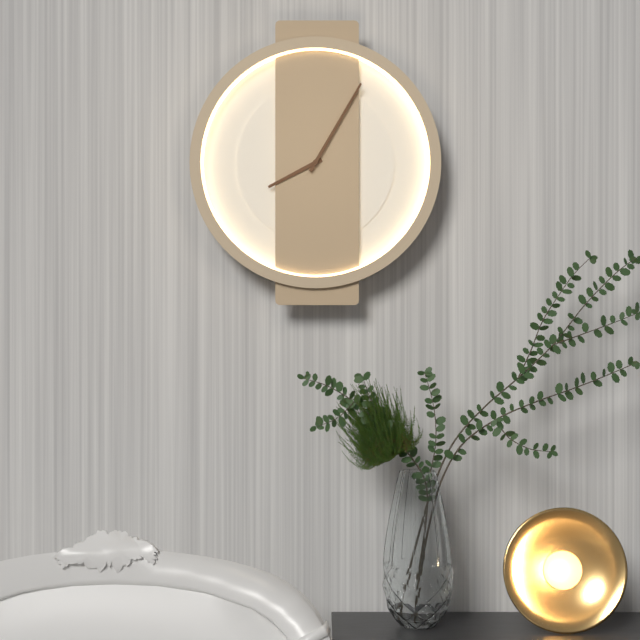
**8:05**
